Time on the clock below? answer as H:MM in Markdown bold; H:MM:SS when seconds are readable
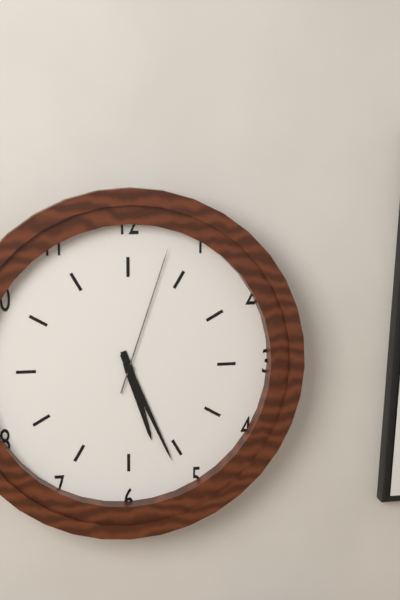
**5:26:03**
